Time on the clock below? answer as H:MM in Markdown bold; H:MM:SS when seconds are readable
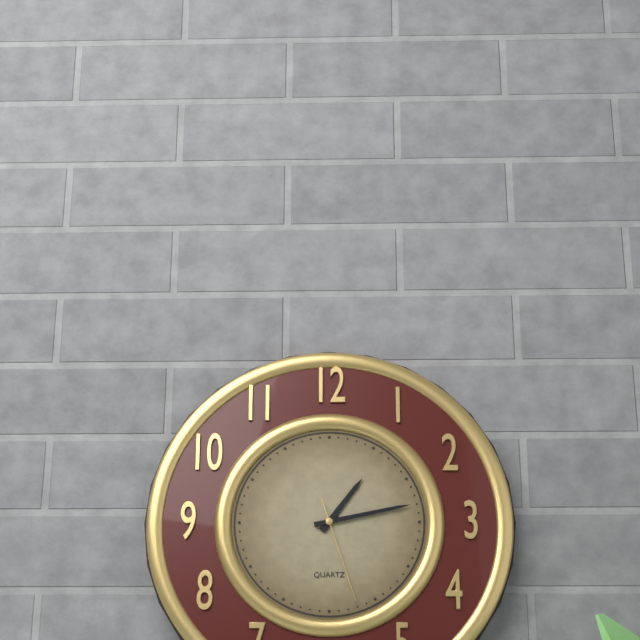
**1:13:27**
